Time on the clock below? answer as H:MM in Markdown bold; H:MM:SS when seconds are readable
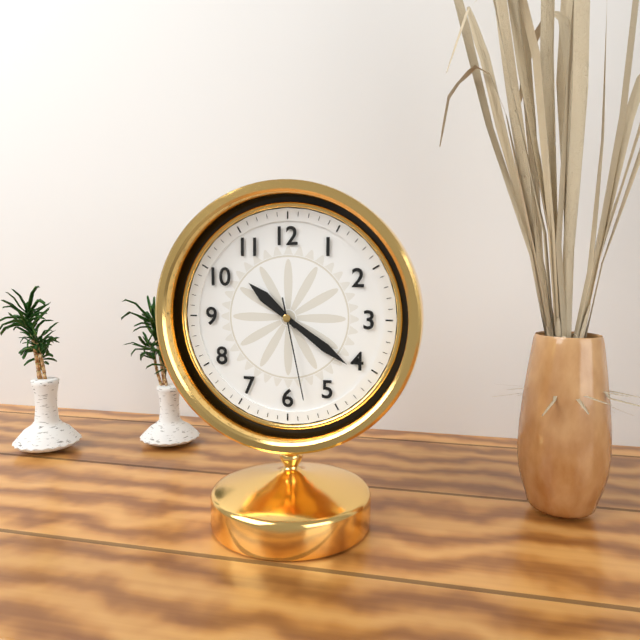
**10:21:28**
